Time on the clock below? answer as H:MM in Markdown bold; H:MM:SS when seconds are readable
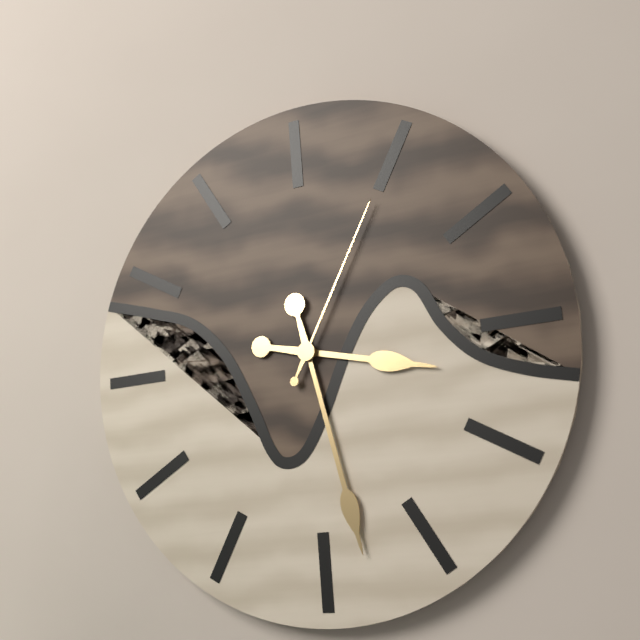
**3:28:05**
